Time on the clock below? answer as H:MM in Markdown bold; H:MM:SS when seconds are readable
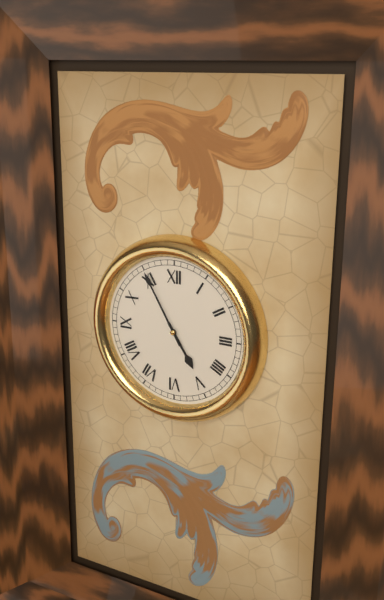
**4:55**
